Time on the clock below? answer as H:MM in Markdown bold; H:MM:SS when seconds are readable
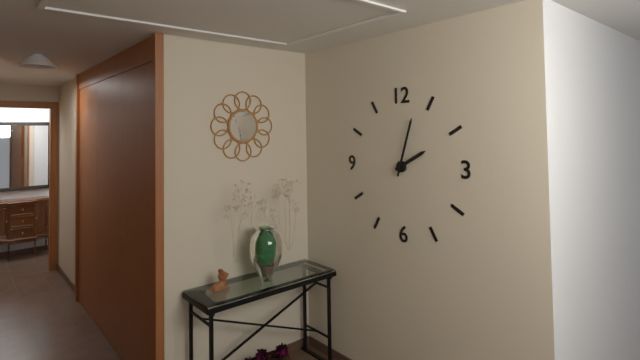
**2:03**
